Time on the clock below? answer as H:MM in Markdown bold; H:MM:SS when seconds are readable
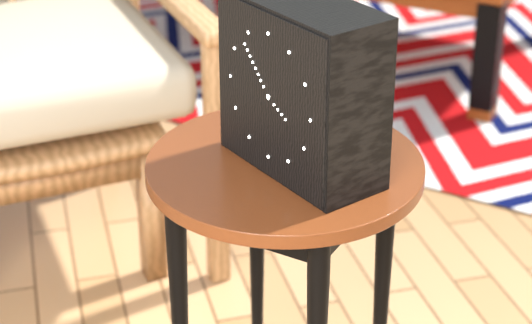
**3:53**
